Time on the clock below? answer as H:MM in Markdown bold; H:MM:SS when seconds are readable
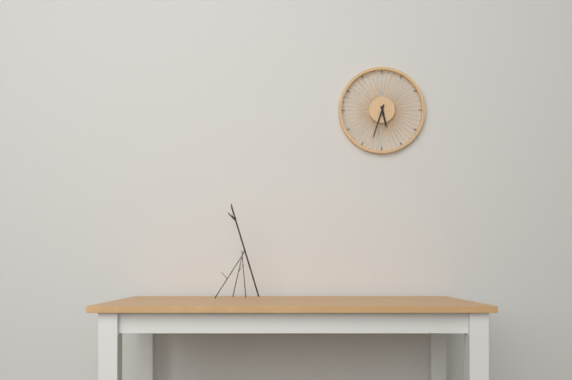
**5:33**
